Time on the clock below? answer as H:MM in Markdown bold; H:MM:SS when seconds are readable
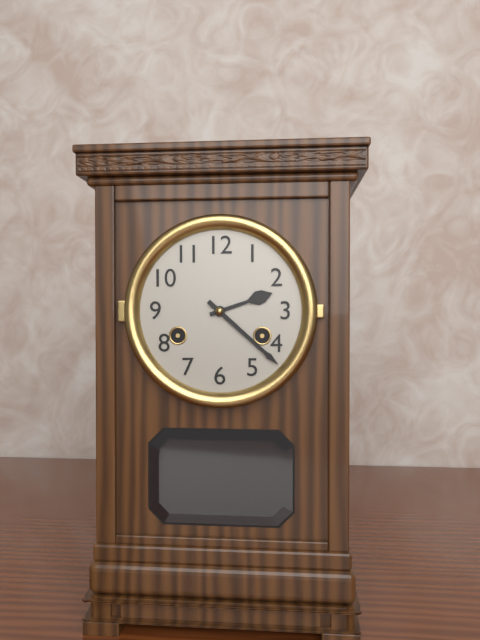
**2:22**
